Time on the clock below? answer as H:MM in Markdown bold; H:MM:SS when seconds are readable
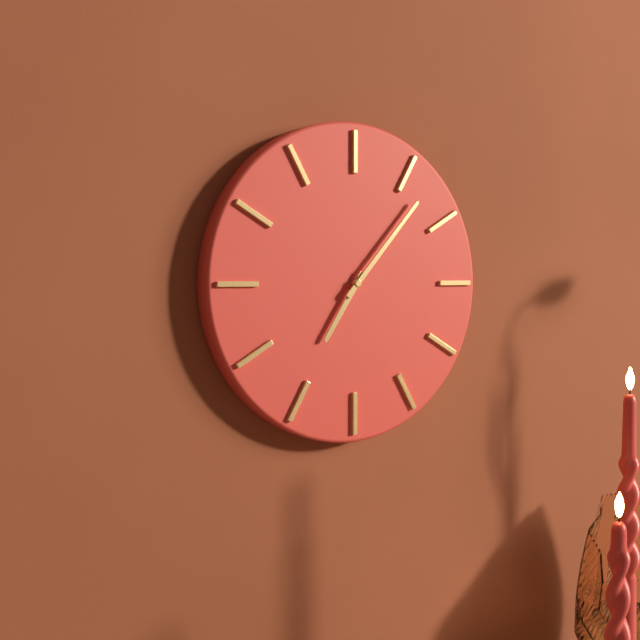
**7:07**
